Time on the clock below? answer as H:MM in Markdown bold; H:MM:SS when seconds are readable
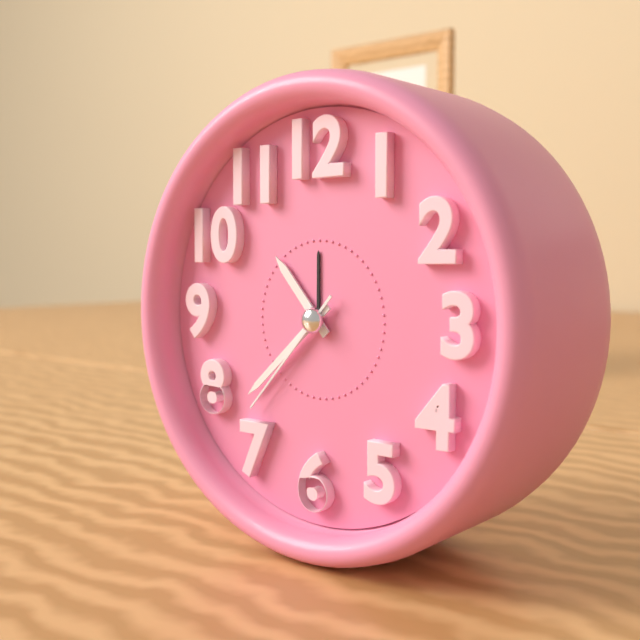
**10:38:37**
